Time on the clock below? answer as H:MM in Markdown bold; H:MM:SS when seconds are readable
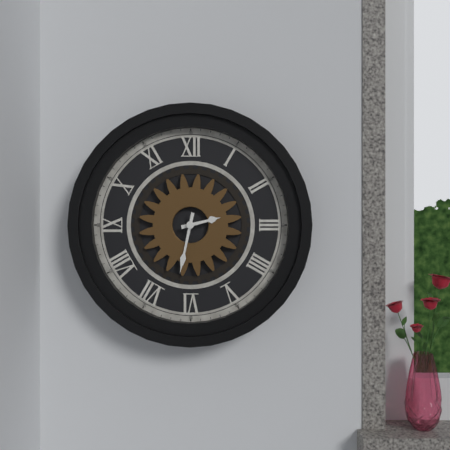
**2:32**
